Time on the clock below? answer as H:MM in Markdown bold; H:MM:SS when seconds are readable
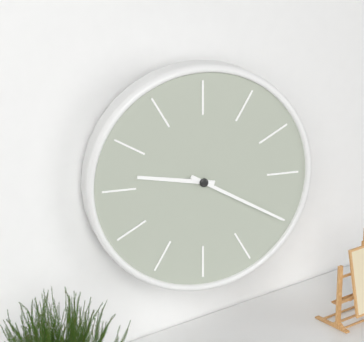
**9:20**
